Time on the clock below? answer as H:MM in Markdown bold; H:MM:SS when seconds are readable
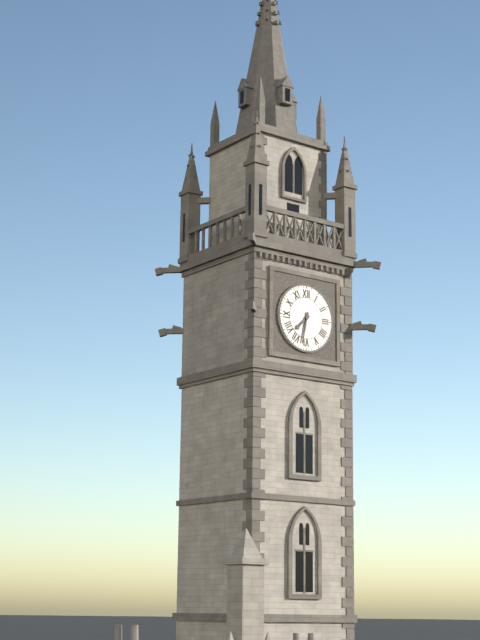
**7:32**
